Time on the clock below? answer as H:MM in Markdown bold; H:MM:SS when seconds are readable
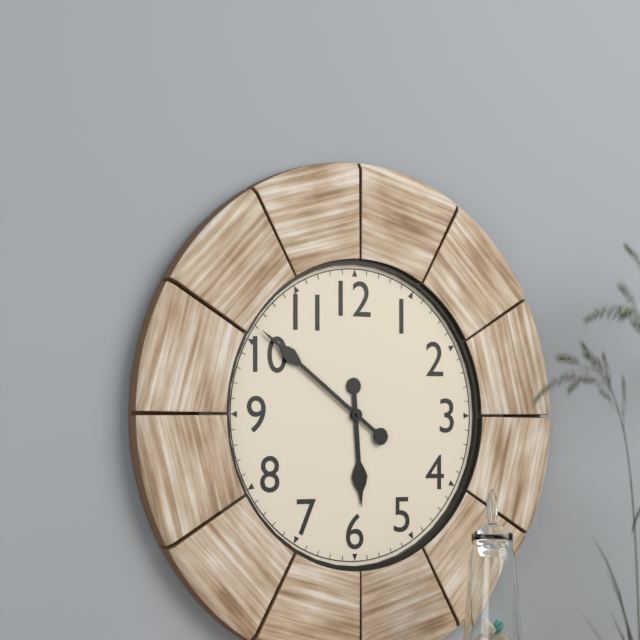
**5:51**
